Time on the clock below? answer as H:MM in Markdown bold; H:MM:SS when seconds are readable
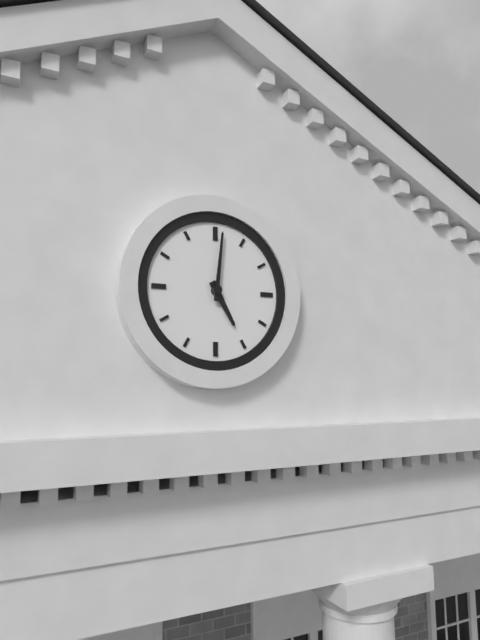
**5:01**
